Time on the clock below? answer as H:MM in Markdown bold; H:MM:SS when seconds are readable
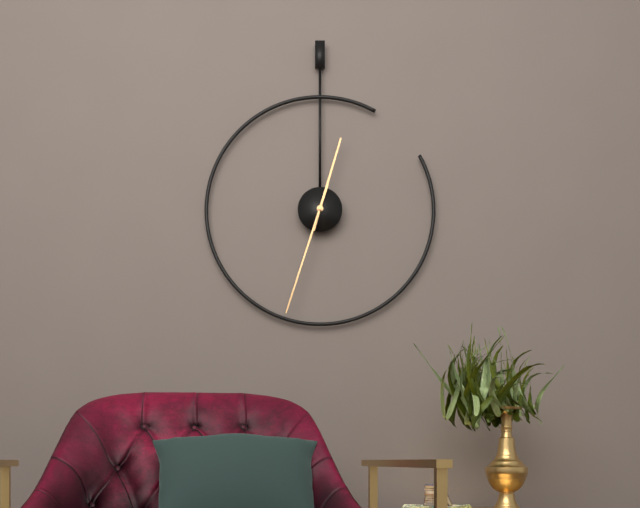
**12:33**
